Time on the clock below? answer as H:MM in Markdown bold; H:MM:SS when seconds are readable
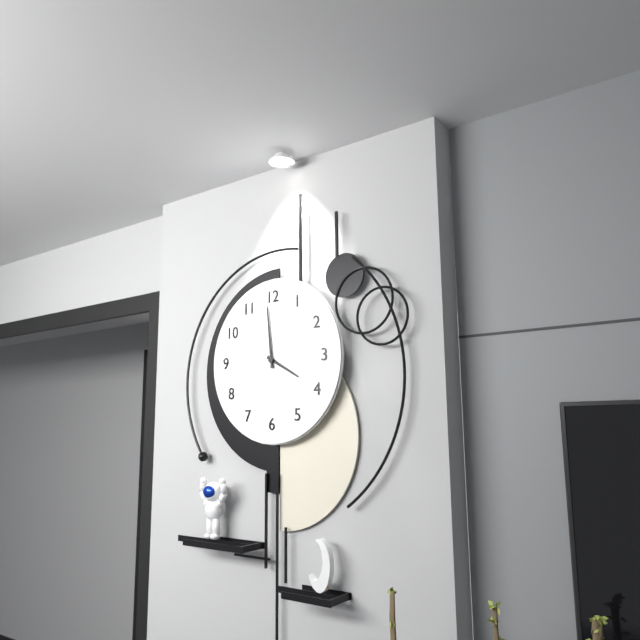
**3:59**
